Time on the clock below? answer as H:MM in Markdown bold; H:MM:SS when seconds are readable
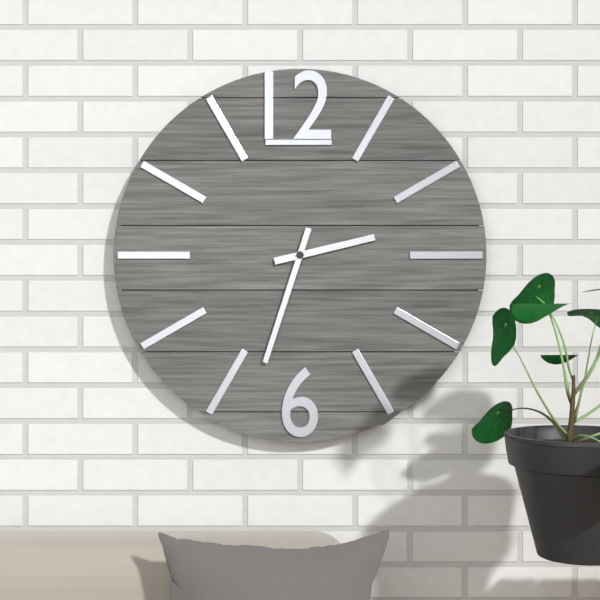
**2:33**
